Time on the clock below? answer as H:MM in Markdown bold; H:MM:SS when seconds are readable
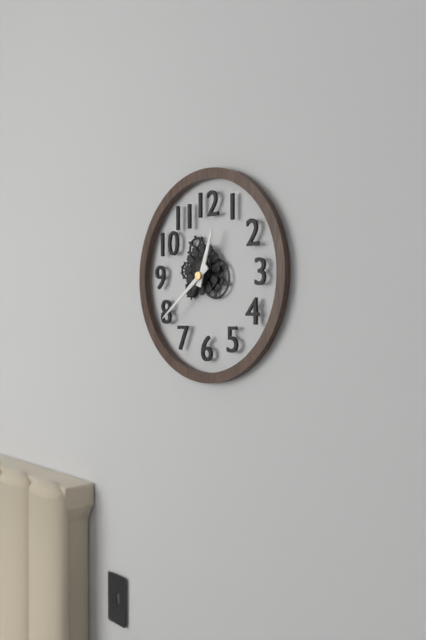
**12:39**
